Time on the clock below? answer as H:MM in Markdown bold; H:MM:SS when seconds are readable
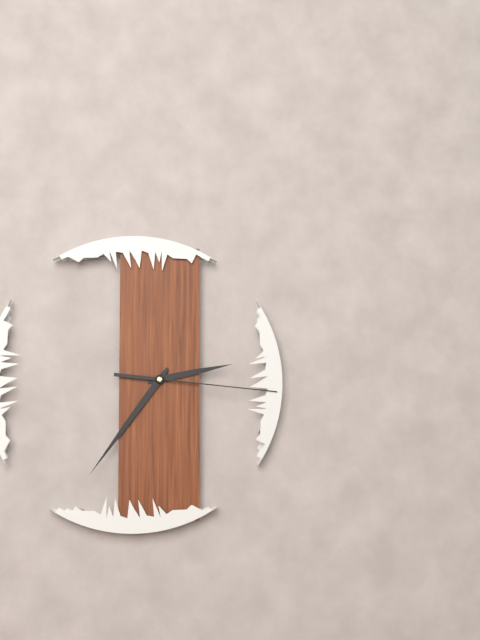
**2:36:16**
